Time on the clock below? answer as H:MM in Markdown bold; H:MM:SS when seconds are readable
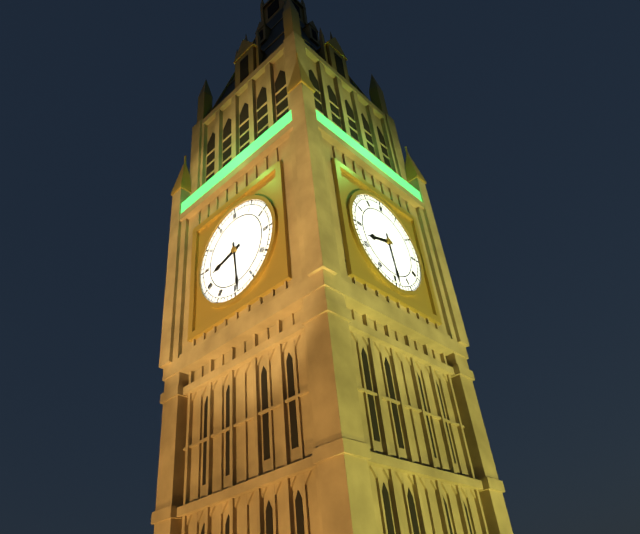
**8:29**
